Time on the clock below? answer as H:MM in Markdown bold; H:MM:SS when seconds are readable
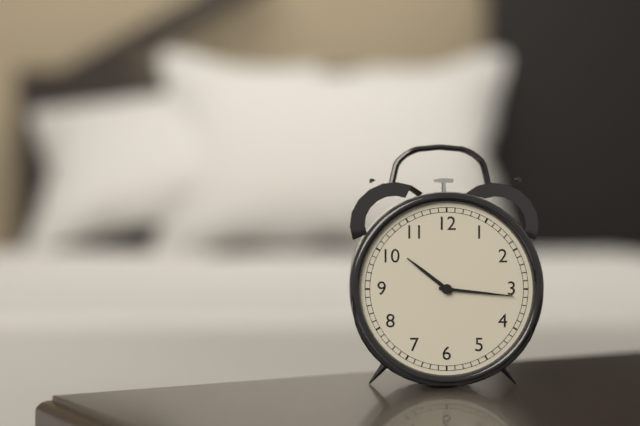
**10:16**
